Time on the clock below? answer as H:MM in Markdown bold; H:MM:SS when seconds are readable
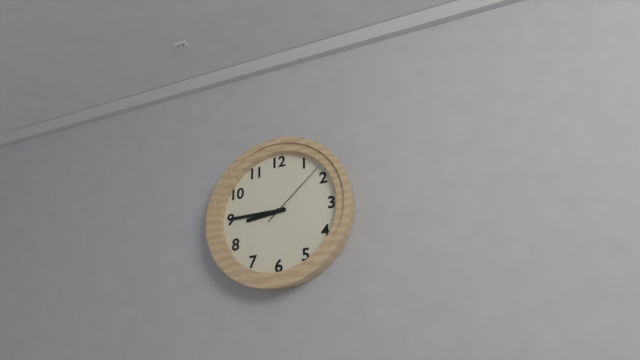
**8:45:08**
